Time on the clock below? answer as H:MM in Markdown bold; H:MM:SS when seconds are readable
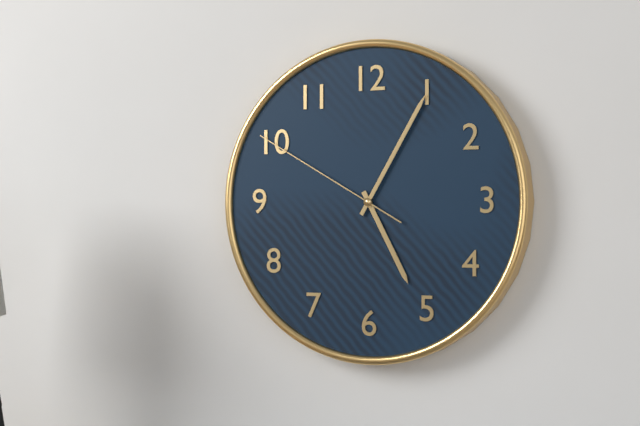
**5:05:50**
